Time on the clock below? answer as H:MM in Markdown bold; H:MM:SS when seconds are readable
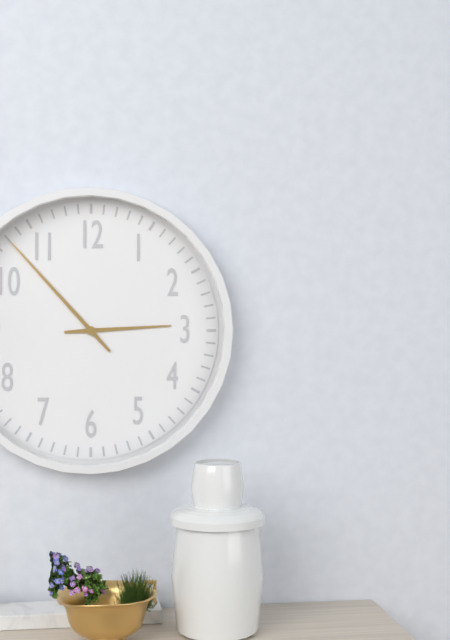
**2:53**
